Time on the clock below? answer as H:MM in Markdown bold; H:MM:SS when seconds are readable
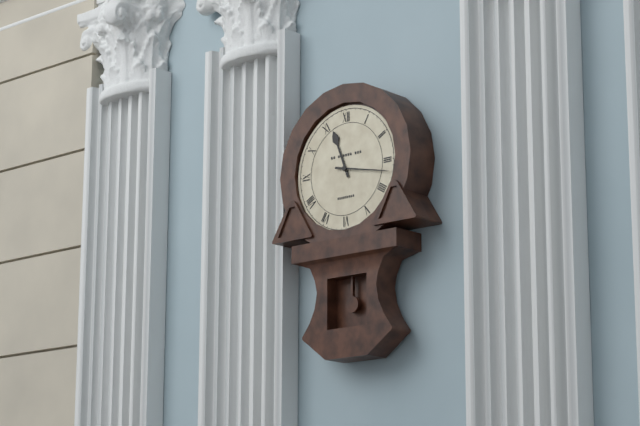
**11:17**
